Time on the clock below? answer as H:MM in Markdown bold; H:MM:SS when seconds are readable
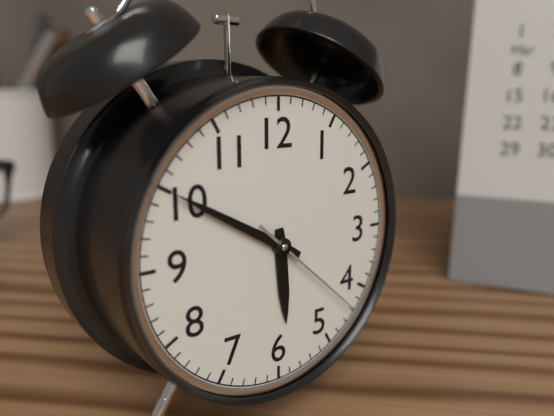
**5:50:22**
